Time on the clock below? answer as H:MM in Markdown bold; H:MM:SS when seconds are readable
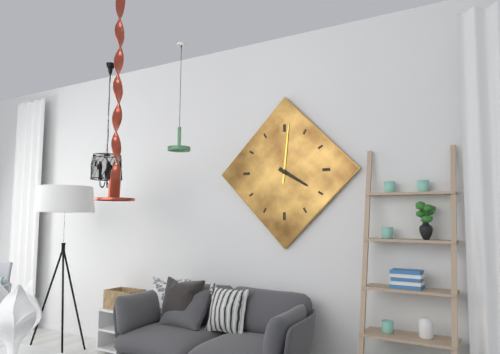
**4:01**
